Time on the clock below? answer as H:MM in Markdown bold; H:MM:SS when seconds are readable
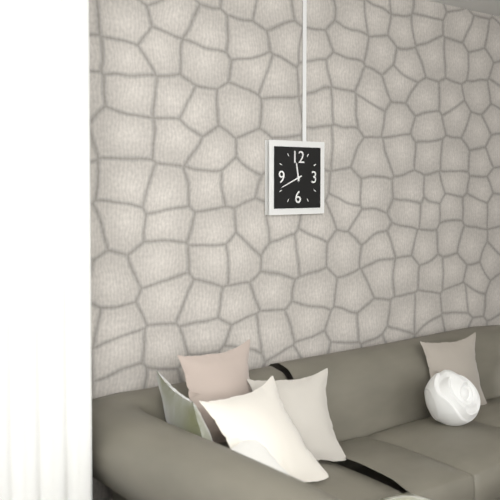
**11:41**
